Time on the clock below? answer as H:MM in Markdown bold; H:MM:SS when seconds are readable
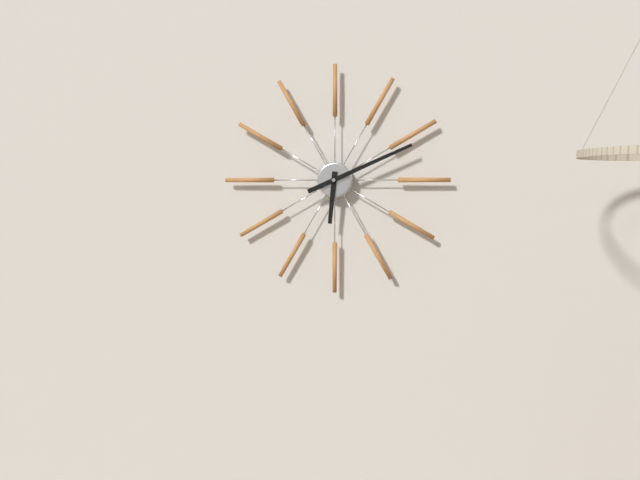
**6:11**
